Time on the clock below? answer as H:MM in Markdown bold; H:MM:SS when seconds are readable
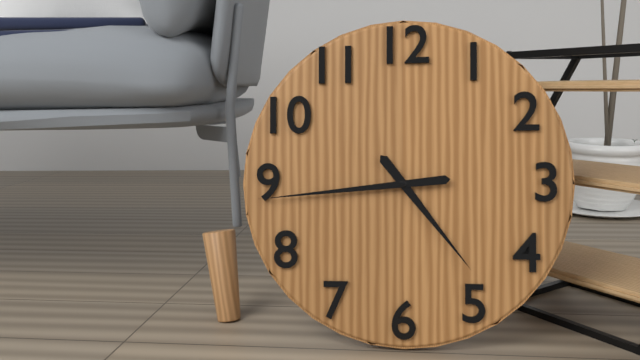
**4:44**
